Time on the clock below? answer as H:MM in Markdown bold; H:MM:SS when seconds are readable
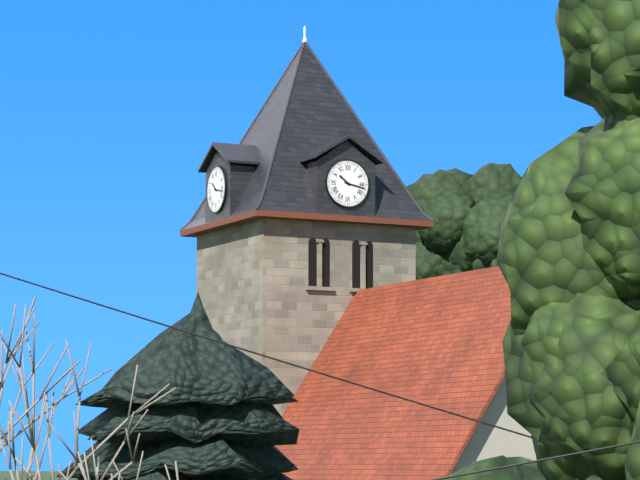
**10:17**
